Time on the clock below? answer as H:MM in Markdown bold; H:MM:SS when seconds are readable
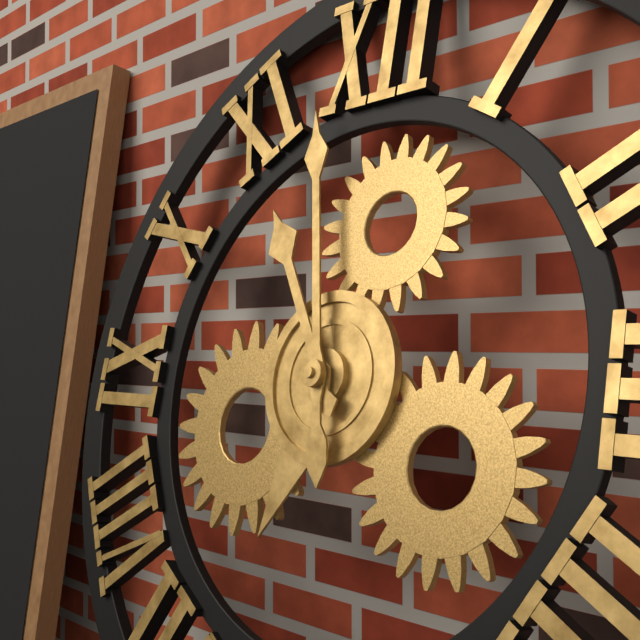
**10:58**
